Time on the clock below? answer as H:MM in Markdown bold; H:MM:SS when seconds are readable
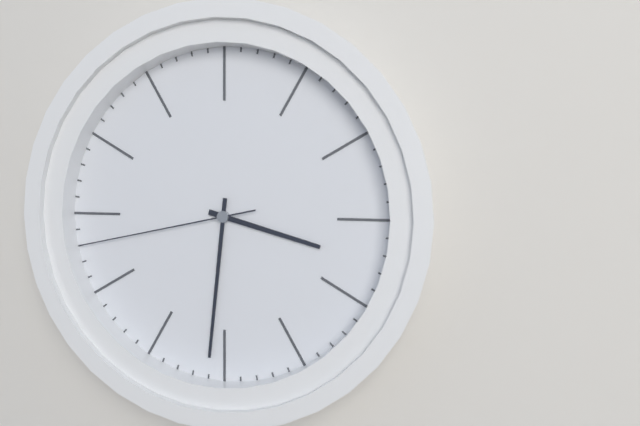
**3:31:43**
